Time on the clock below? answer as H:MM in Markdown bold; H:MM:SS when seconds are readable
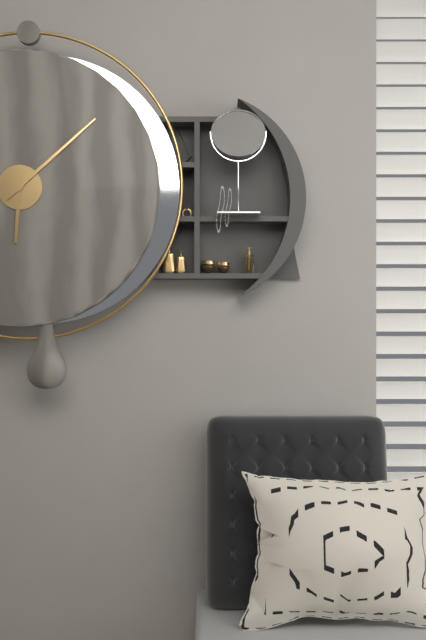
**6:08**
